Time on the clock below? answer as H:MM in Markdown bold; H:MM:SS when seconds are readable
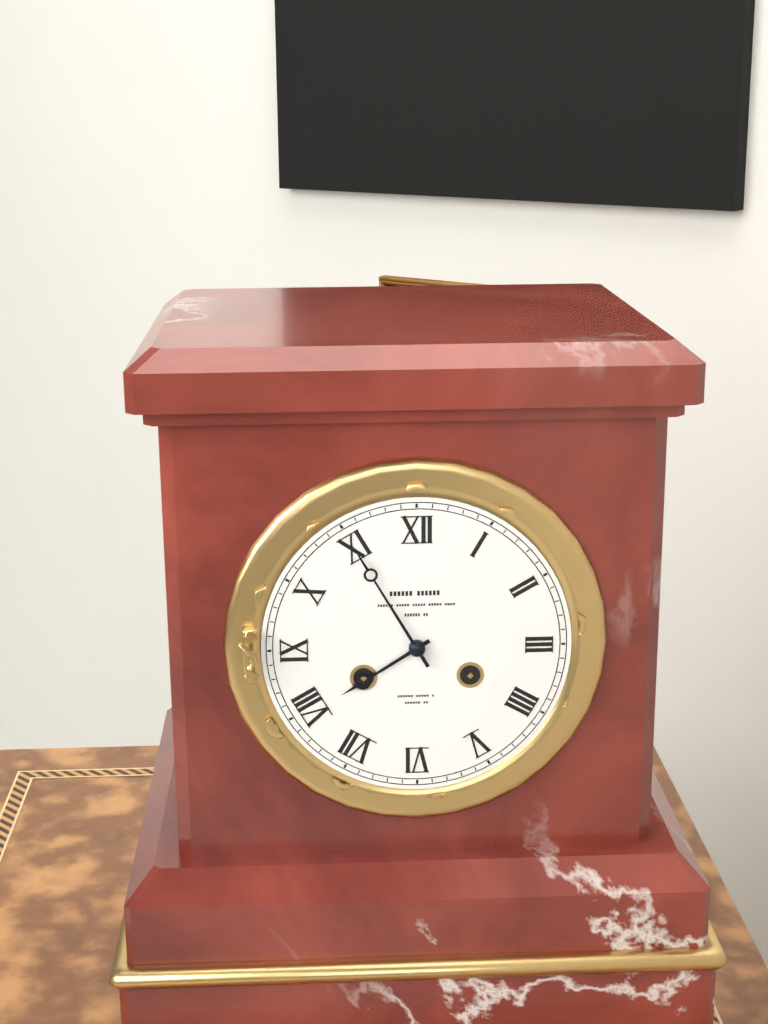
**7:55**
